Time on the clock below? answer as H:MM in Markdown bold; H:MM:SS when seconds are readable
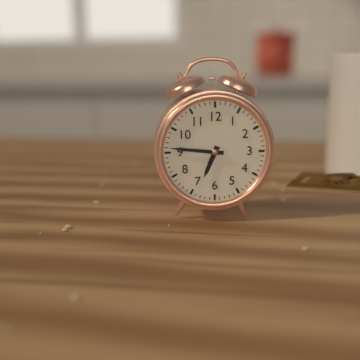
**6:46**
